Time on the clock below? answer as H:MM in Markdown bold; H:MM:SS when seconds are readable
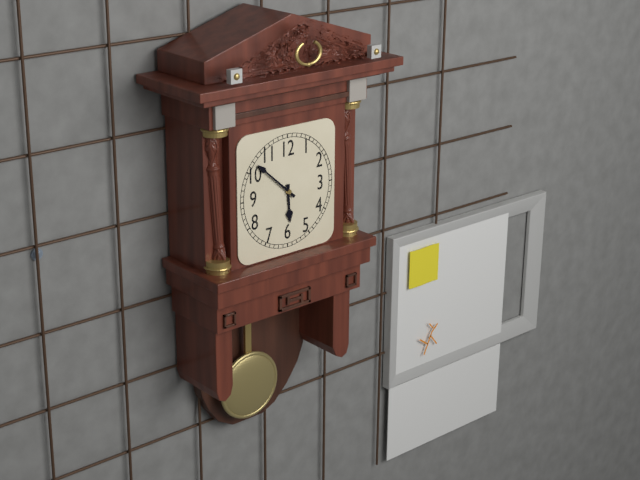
**5:52**
